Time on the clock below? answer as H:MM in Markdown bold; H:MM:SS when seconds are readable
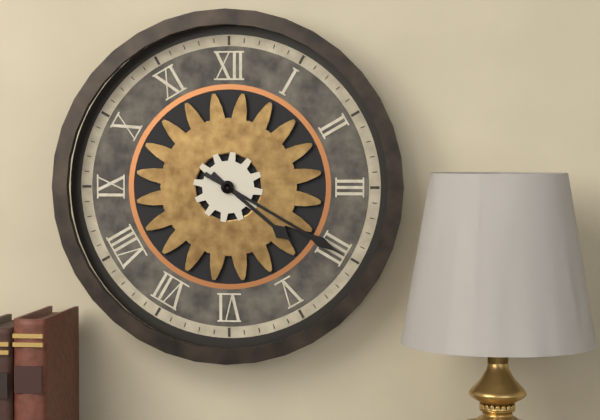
**4:20**
